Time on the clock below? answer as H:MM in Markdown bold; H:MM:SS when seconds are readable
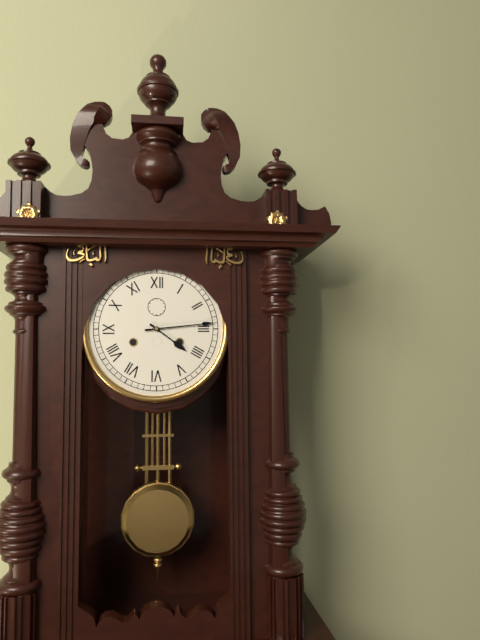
**4:14**
